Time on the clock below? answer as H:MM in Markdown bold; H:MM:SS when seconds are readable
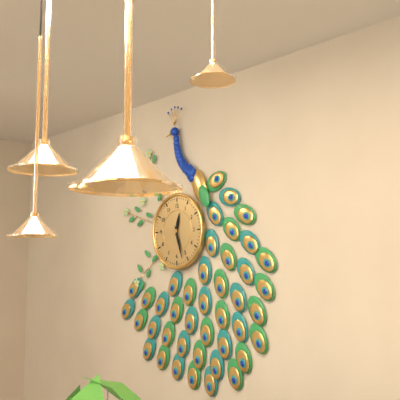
**12:27**
